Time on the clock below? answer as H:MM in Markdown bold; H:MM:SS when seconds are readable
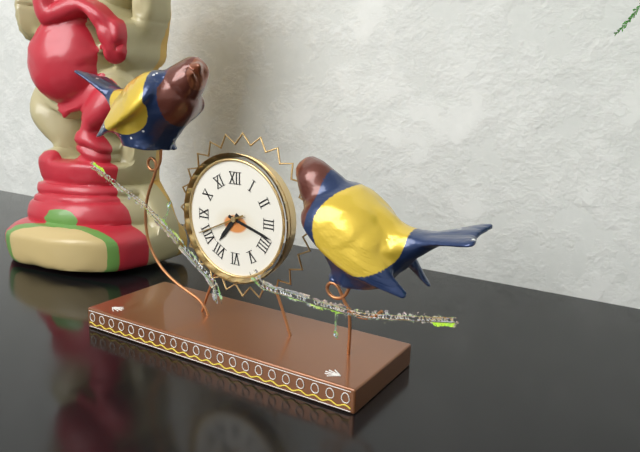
**7:18**
